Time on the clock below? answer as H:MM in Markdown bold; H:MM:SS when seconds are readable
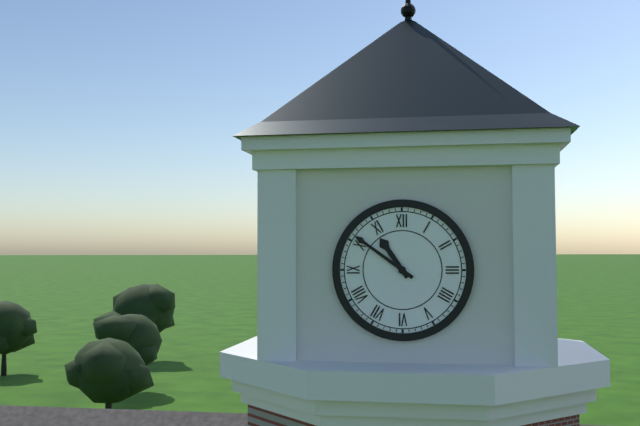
**10:51**
